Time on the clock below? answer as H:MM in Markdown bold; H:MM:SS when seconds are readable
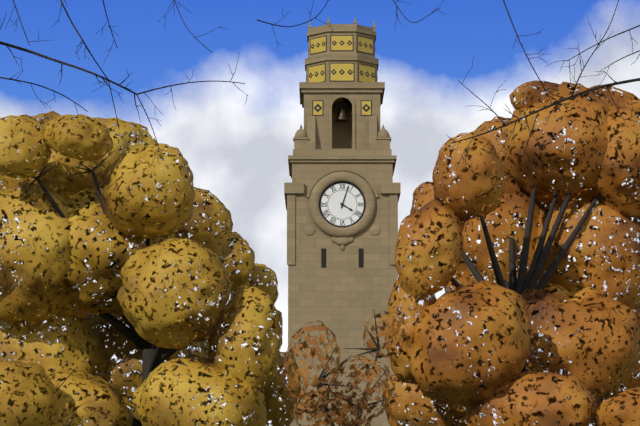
**4:03**
